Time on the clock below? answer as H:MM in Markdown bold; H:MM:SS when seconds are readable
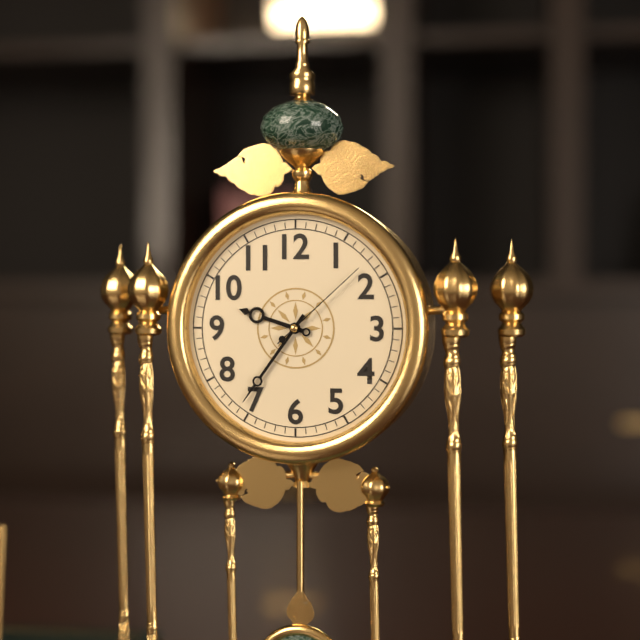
**9:36:08**
